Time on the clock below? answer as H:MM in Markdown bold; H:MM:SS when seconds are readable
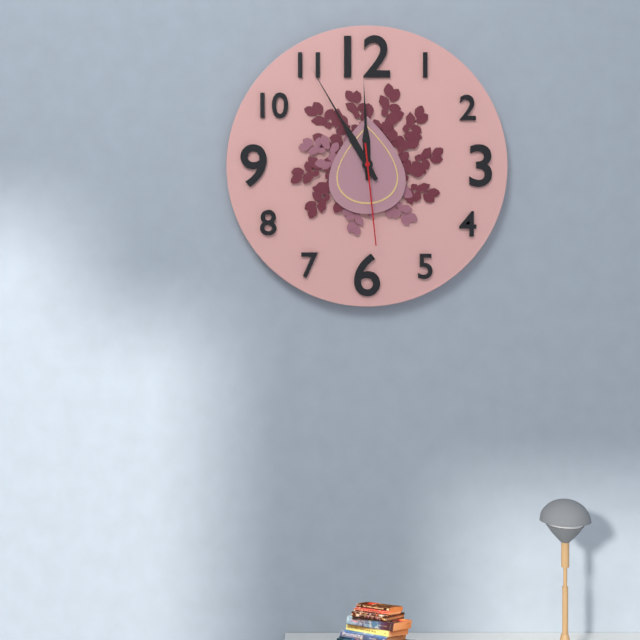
**11:55:29**
